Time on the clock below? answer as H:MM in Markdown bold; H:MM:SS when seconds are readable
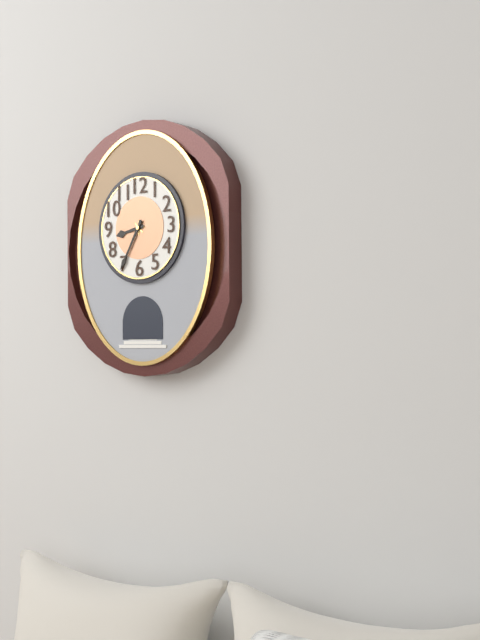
**8:35**
